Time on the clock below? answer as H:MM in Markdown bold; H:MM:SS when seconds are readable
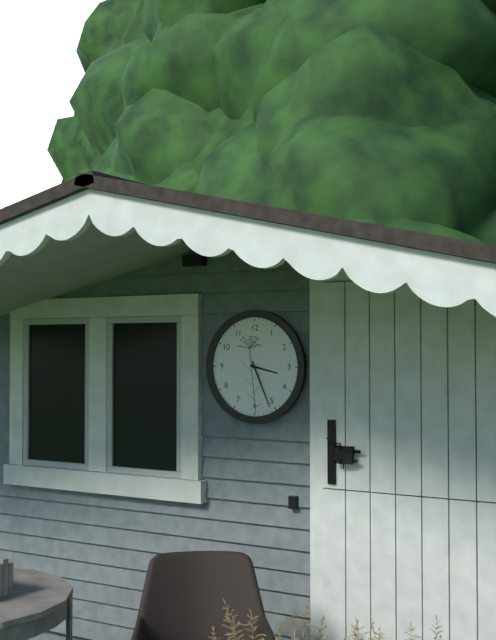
**3:26**
